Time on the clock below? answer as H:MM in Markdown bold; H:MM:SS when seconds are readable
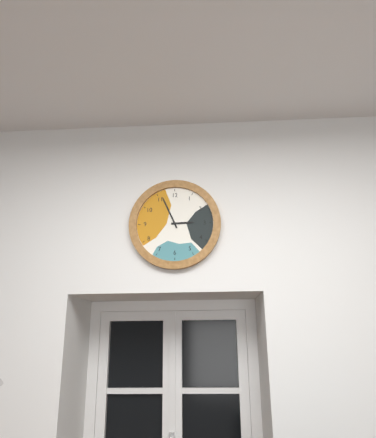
**2:56**
